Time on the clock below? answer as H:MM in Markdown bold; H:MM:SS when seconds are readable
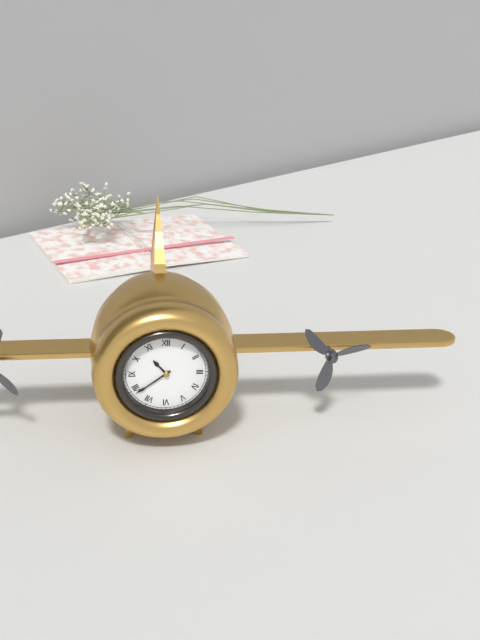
**10:39**
